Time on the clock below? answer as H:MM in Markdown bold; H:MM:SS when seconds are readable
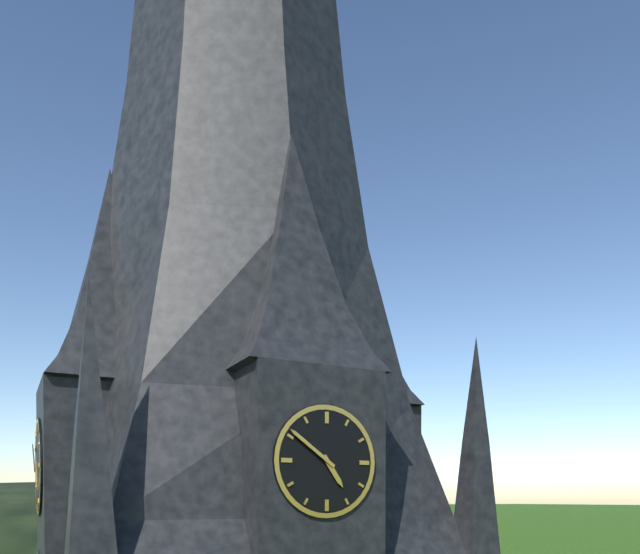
**4:51**
